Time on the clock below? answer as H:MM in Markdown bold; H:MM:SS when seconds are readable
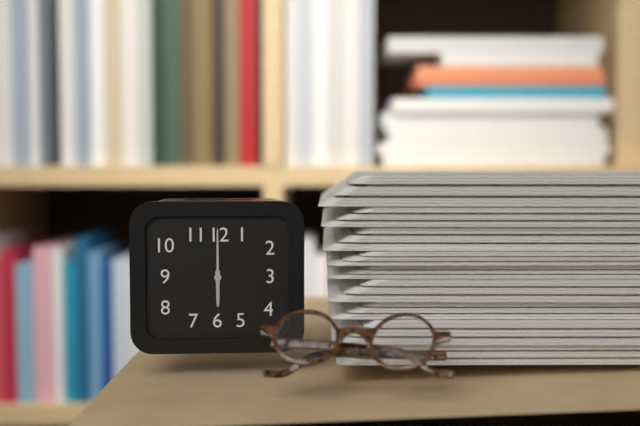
**6:00**
